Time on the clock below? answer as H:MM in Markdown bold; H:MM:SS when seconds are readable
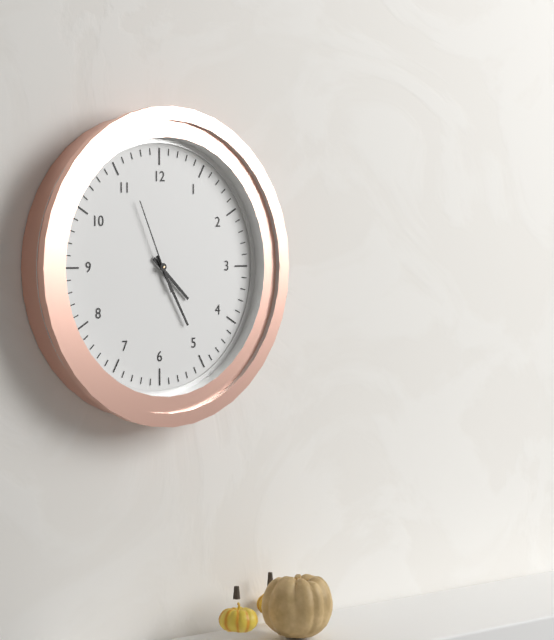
**4:25:56**
